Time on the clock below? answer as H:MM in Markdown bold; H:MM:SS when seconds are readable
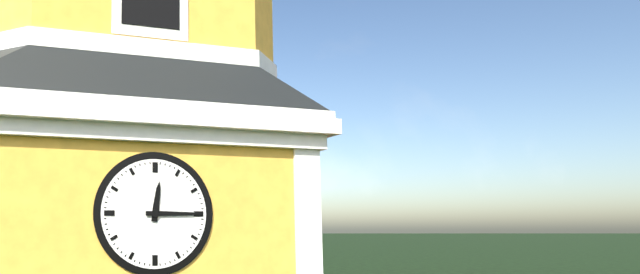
**12:15**
